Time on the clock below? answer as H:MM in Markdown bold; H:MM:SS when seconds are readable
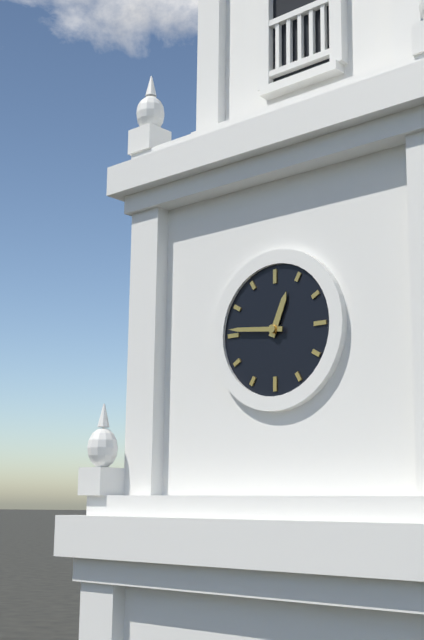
**12:46**
